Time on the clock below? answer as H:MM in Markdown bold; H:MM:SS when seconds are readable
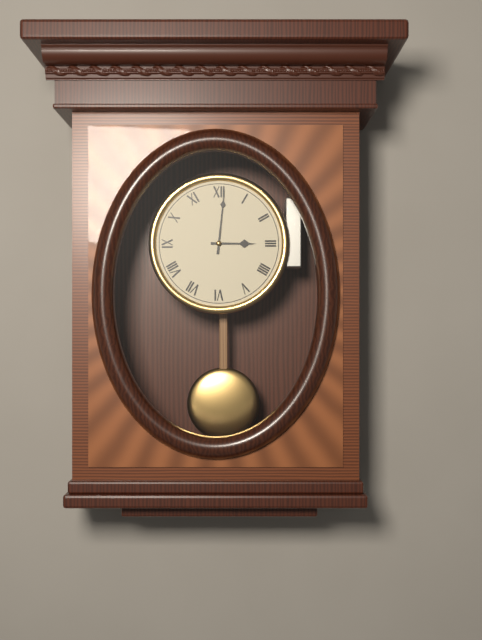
**3:01**
